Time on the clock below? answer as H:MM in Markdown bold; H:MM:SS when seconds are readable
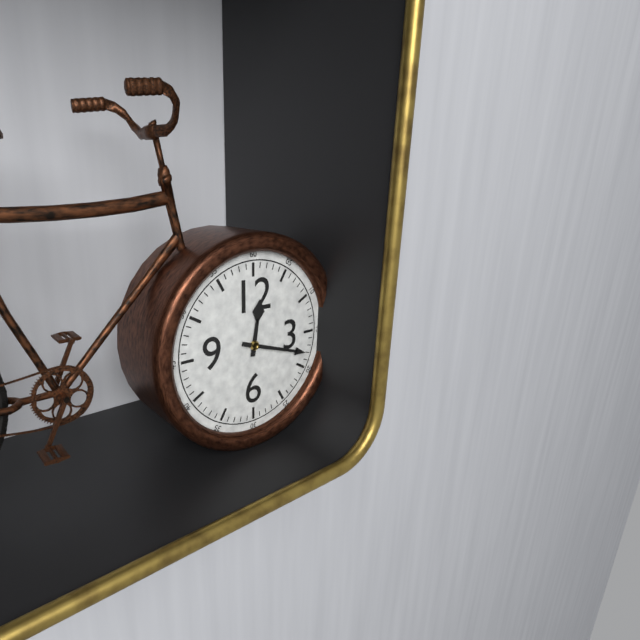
**12:18**
